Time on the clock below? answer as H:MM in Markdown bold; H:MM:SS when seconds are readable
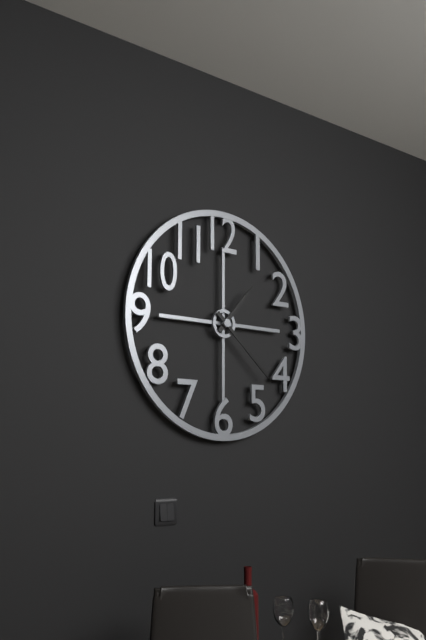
**1:22**
